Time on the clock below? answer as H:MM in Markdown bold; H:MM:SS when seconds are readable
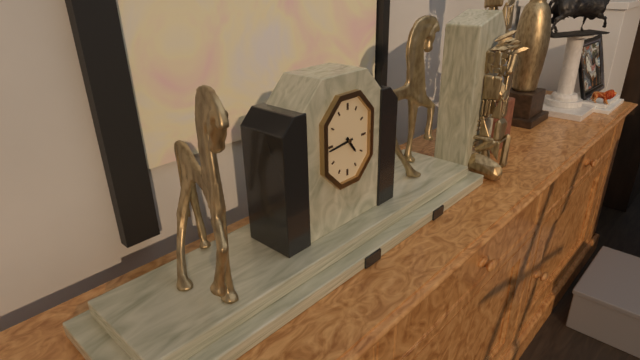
**4:44**
